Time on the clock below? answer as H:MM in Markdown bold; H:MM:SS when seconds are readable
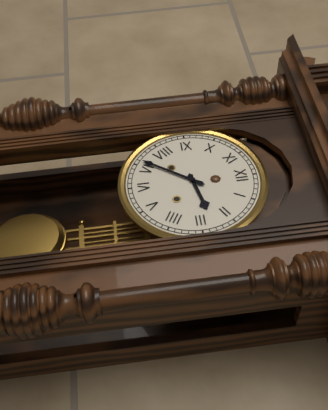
**2:36**
